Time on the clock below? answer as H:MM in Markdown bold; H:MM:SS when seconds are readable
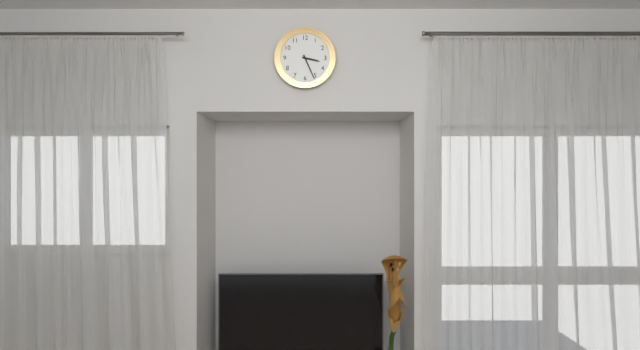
**3:26**
